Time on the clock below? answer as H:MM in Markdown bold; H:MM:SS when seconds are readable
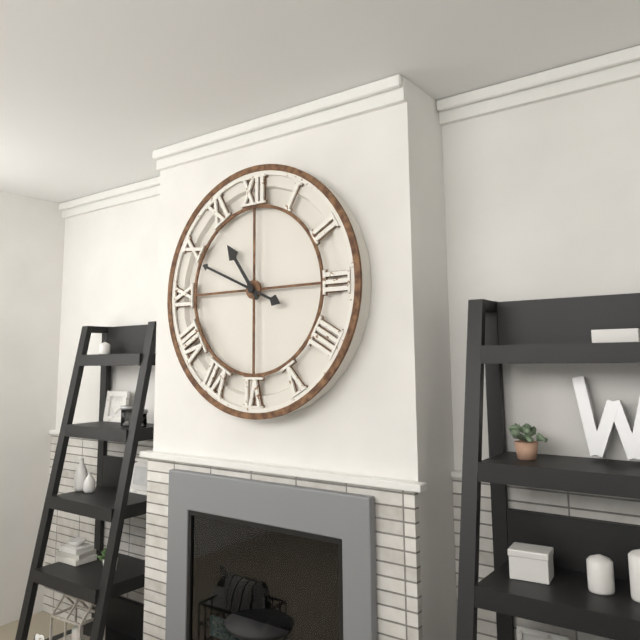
**10:49**
